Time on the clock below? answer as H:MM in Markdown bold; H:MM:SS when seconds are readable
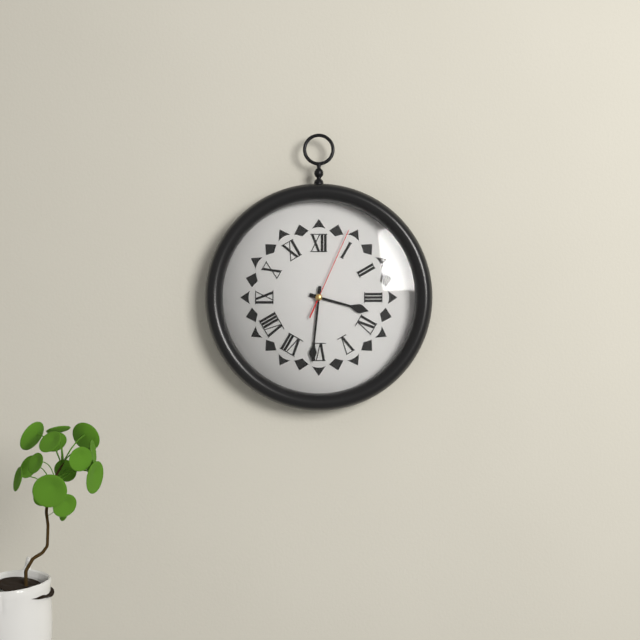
**3:31:04**
